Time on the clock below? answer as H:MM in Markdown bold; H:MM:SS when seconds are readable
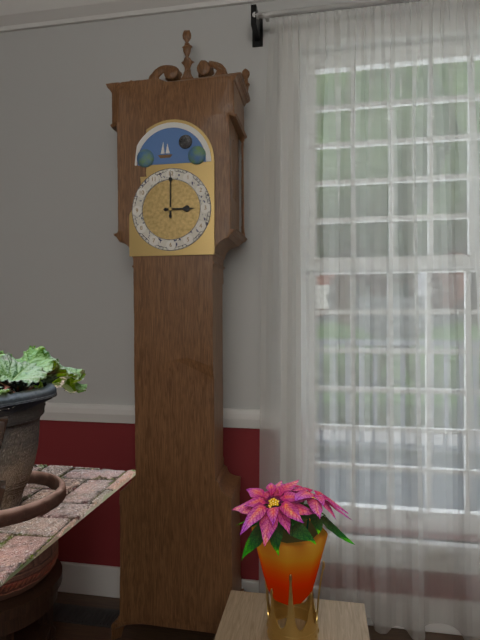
**3:00**
